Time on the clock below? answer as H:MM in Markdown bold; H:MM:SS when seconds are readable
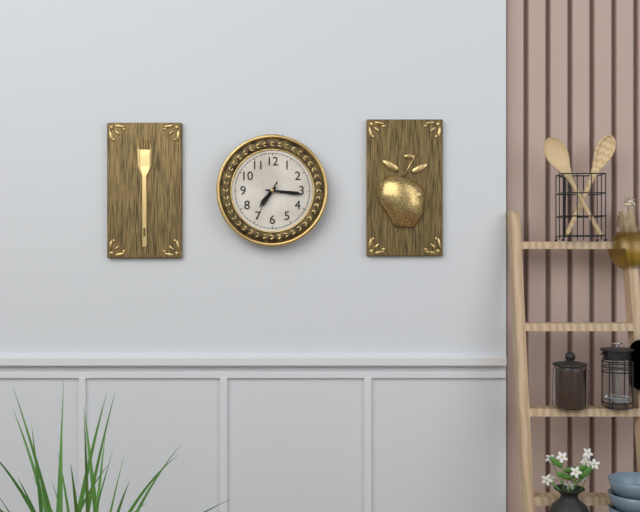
**7:16**
